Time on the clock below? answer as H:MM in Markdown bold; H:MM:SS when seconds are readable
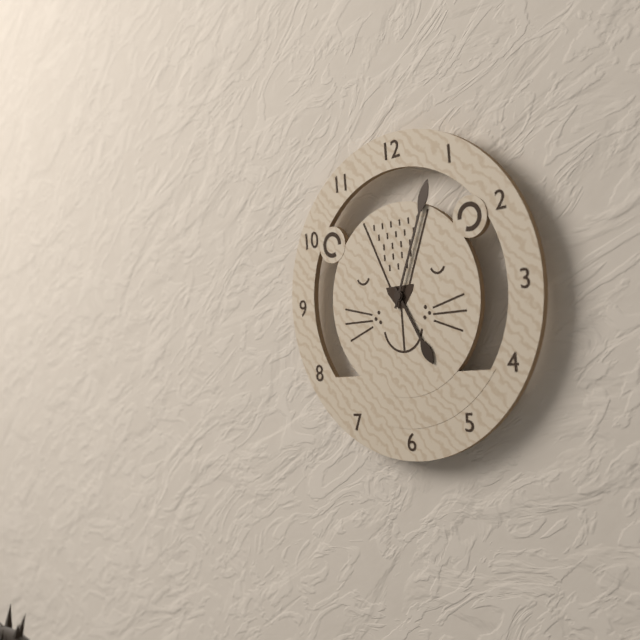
**5:04**
